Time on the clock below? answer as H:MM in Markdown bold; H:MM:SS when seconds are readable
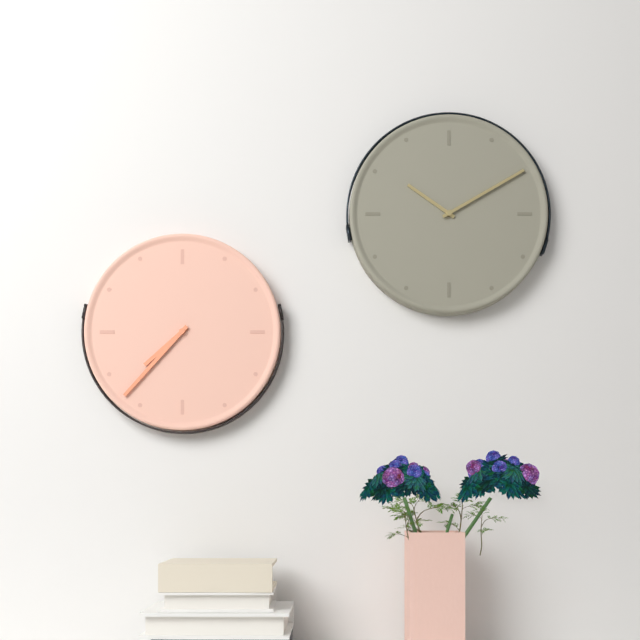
**7:37**
